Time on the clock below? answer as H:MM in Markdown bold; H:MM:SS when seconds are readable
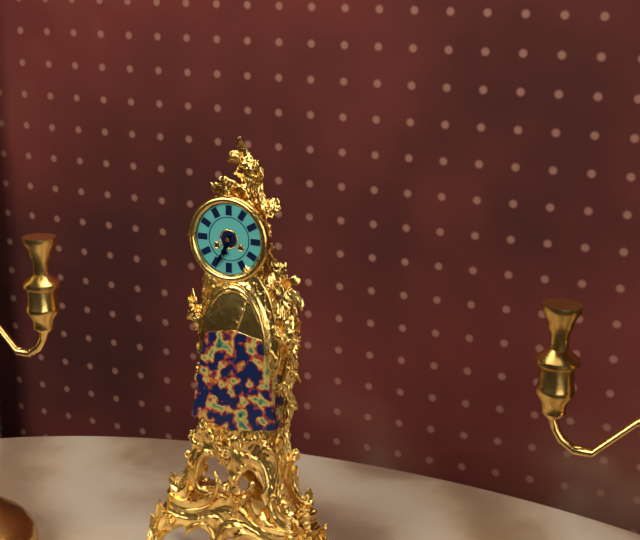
**6:34**
